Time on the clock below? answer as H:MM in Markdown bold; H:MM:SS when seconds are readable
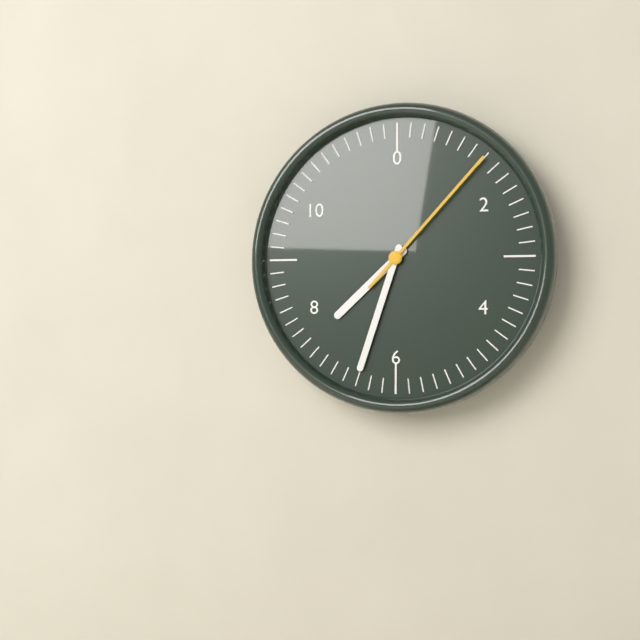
**7:33:07**
